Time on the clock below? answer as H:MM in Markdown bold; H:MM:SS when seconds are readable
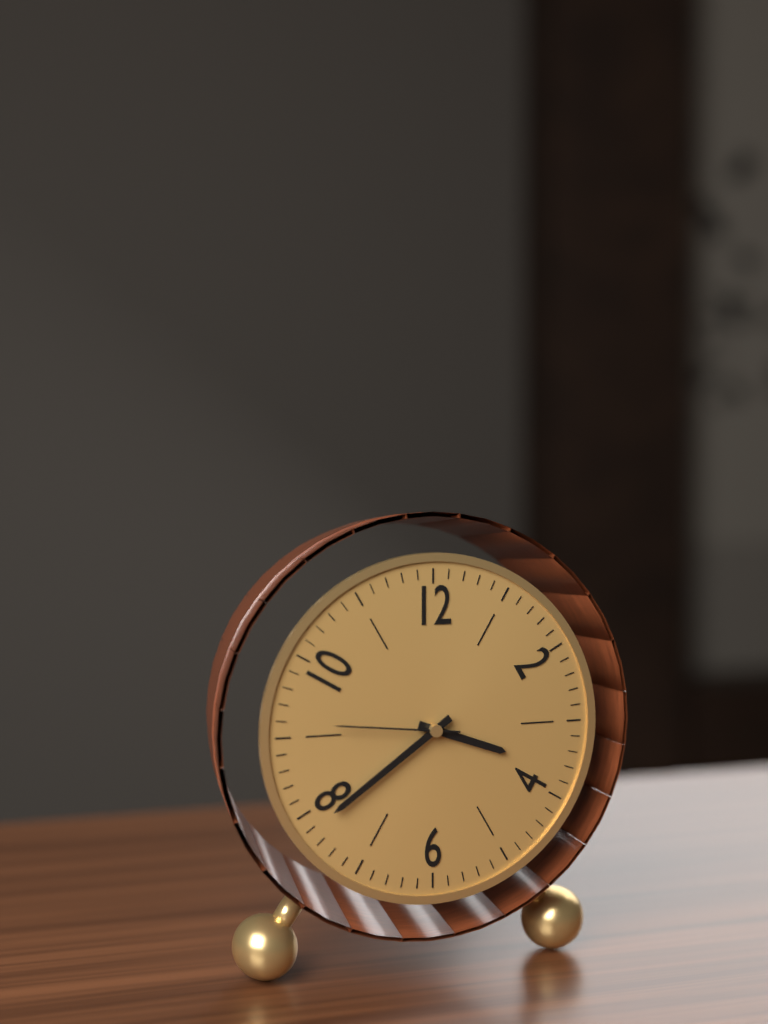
**3:39:46**
